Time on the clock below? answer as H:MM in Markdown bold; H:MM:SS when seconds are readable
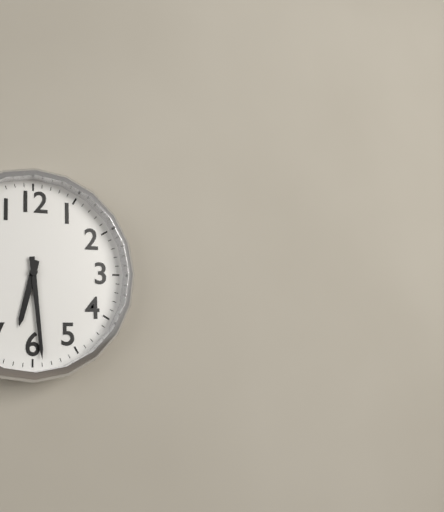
**6:29**
